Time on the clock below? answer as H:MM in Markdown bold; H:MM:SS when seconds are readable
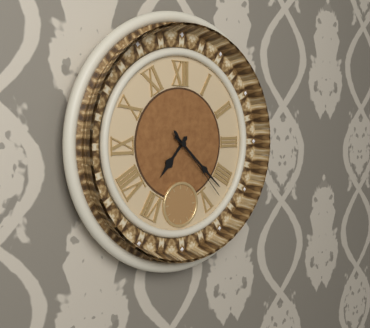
**7:22:23**
